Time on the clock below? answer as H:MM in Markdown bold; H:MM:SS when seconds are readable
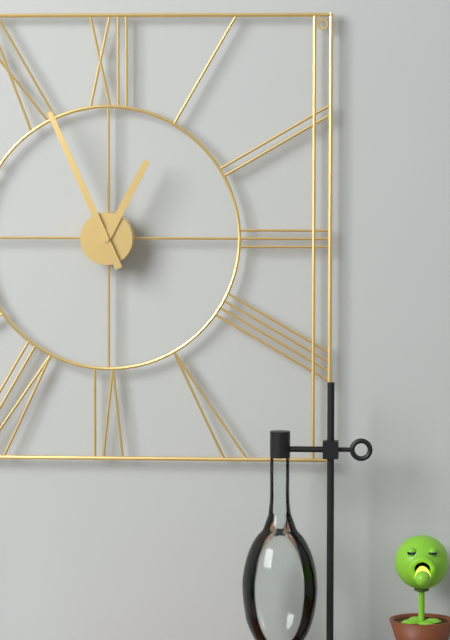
**12:56**
